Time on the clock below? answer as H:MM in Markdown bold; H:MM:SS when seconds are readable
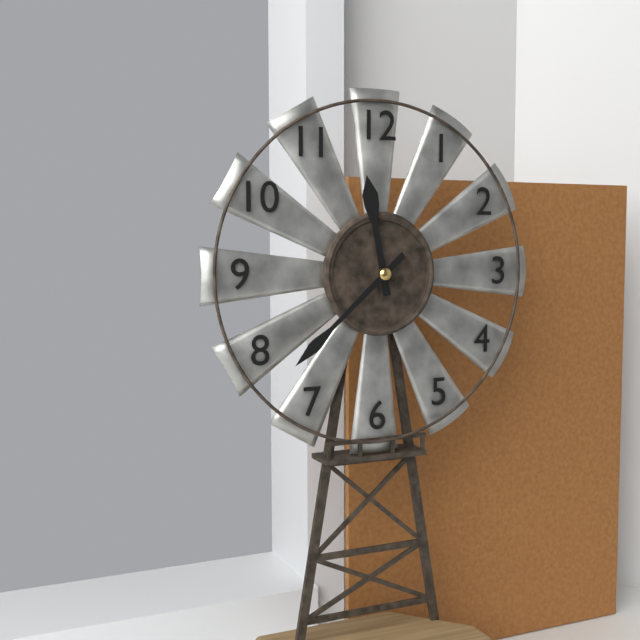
**11:38**
